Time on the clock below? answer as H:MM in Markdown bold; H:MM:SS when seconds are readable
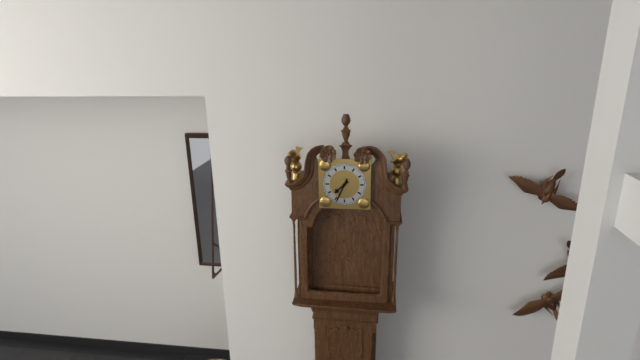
**7:34**
